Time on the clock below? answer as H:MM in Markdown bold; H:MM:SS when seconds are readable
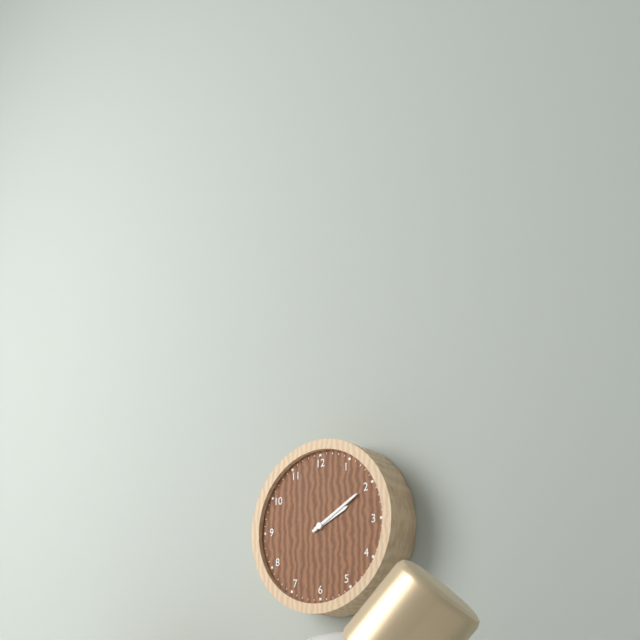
**2:10**
